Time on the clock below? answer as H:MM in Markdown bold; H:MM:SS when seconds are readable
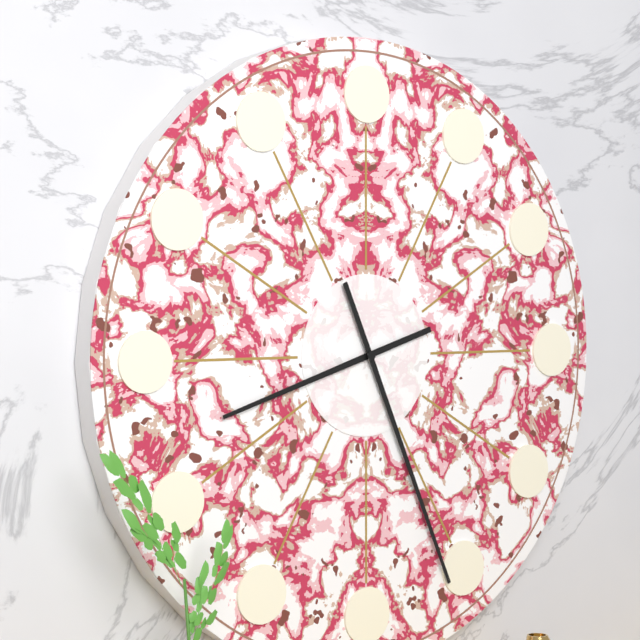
**8:26**
